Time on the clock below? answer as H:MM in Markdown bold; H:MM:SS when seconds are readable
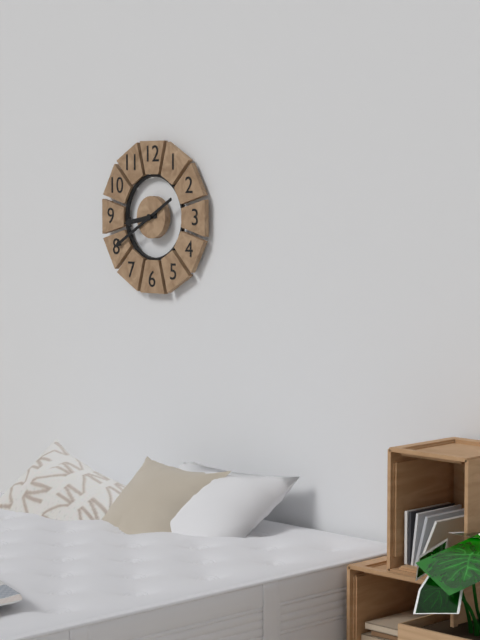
**8:40**
